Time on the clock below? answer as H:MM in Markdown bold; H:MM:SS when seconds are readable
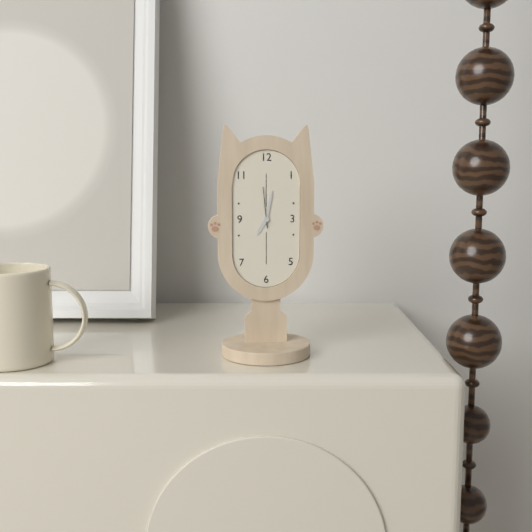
**7:02**
